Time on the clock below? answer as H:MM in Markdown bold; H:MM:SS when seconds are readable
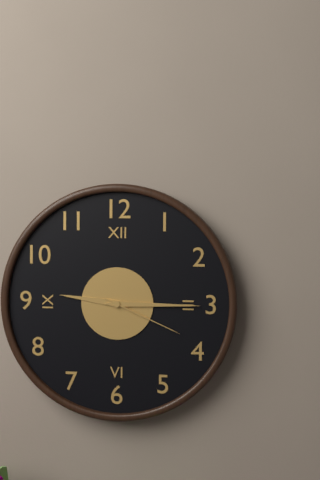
**9:15:19**
